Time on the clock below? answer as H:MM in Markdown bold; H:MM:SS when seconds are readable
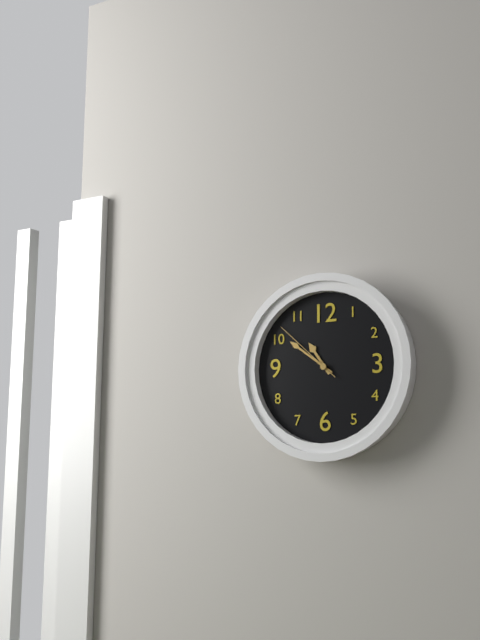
**10:51:52**
